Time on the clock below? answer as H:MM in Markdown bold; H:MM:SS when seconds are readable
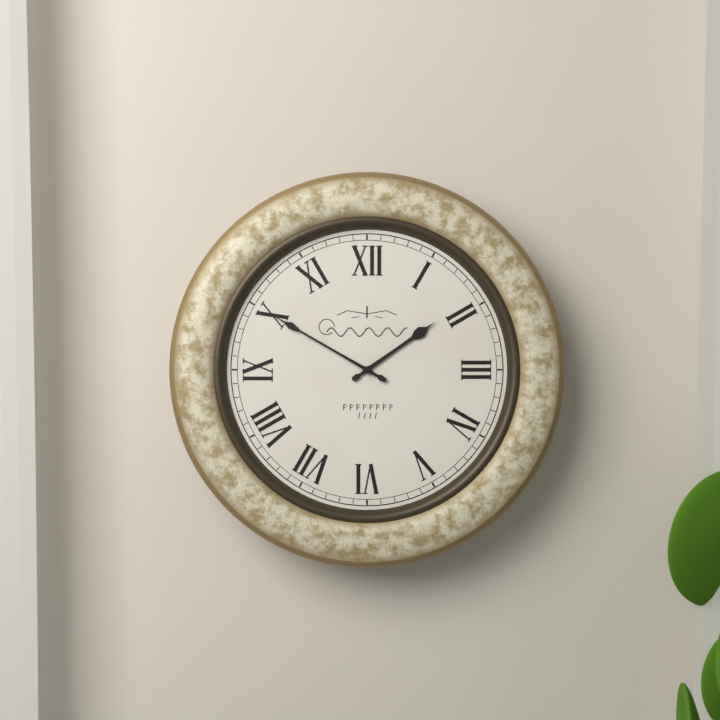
**1:50**
